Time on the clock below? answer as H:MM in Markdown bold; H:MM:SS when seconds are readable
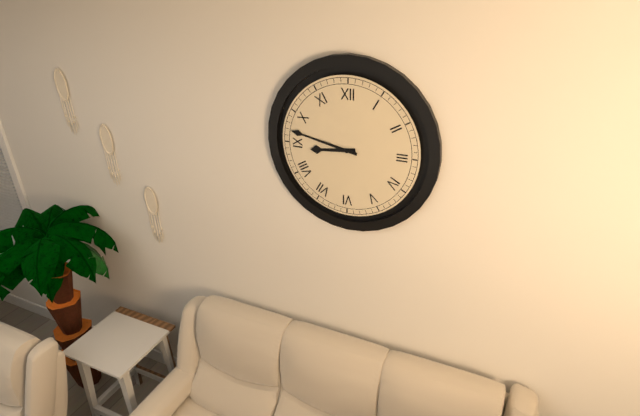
**8:47**
